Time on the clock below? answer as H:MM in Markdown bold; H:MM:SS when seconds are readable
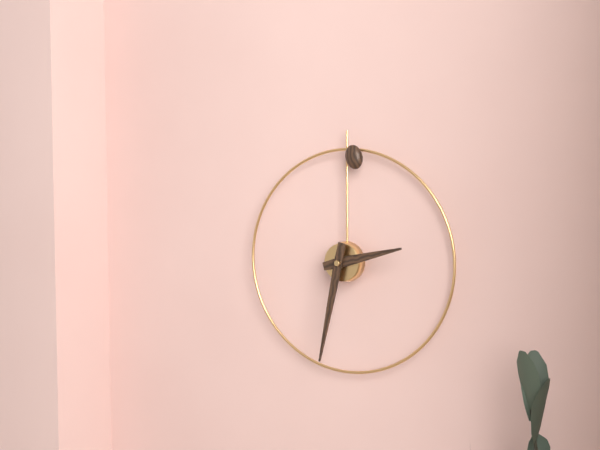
**2:32**
